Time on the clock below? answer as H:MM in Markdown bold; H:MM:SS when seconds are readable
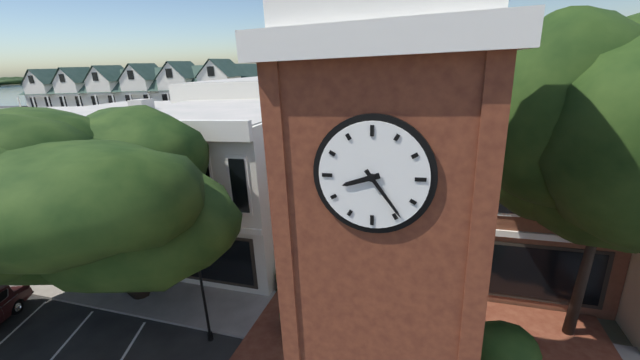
**8:24**
